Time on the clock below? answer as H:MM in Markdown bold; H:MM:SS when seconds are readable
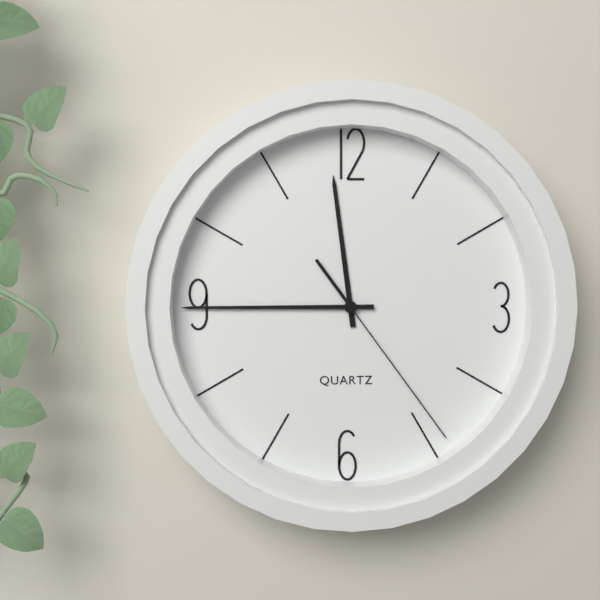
**11:45:24**
